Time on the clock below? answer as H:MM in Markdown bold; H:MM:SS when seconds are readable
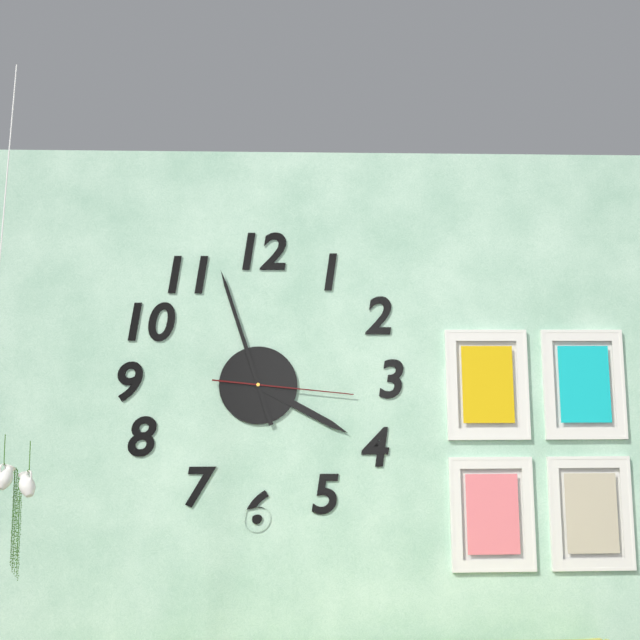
**3:57:16**
